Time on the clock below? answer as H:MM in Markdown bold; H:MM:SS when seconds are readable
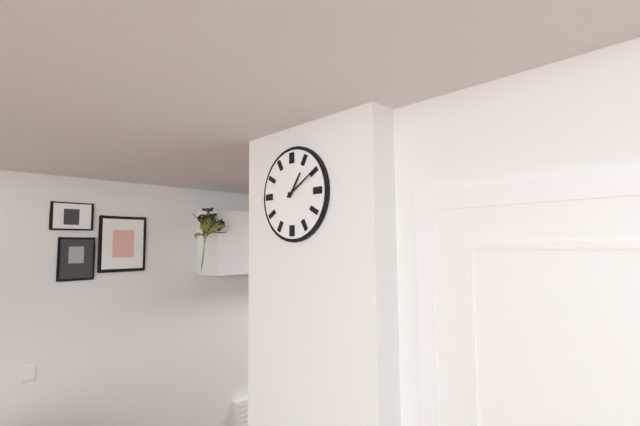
**1:10**
